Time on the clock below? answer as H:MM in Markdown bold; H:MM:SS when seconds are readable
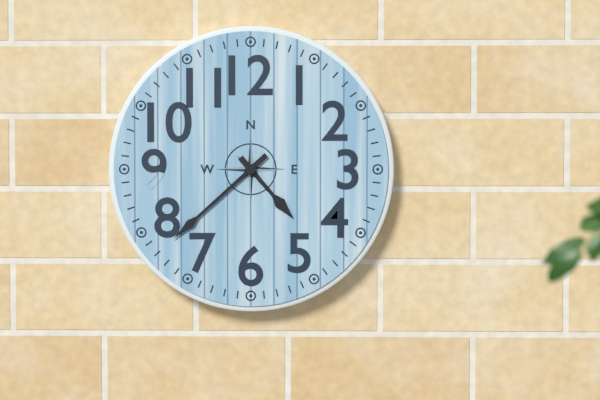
**4:38**
